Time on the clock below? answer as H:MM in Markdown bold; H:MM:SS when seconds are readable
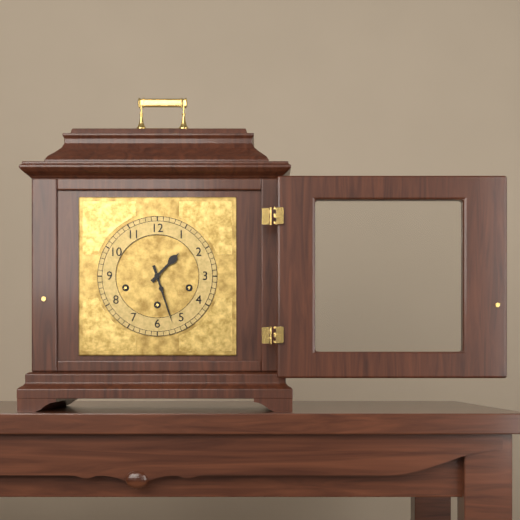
**1:27**
